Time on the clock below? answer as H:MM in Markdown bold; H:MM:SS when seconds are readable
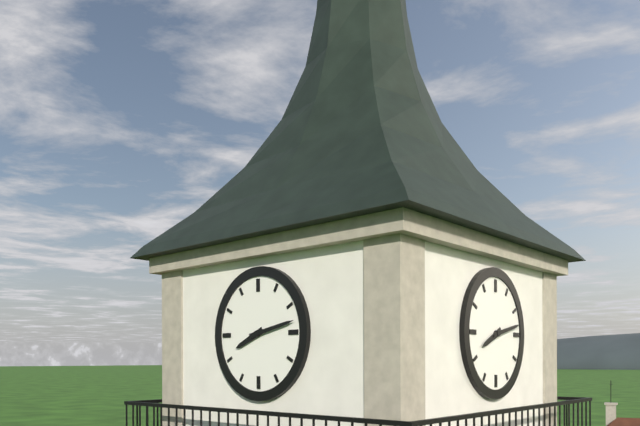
**8:13**
